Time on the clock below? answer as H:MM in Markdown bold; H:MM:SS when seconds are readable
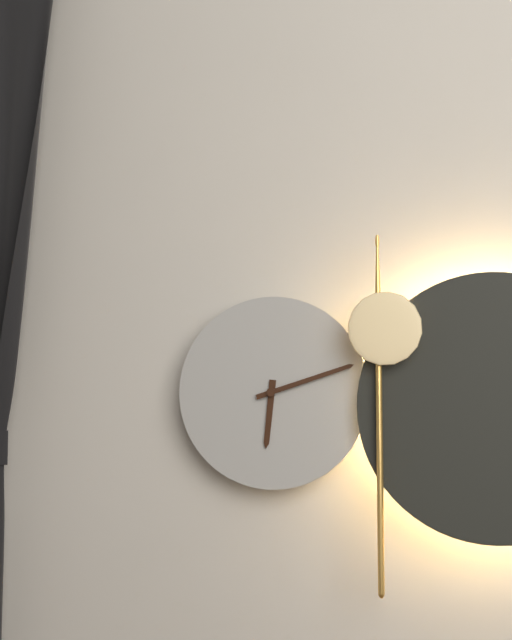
**6:12**
